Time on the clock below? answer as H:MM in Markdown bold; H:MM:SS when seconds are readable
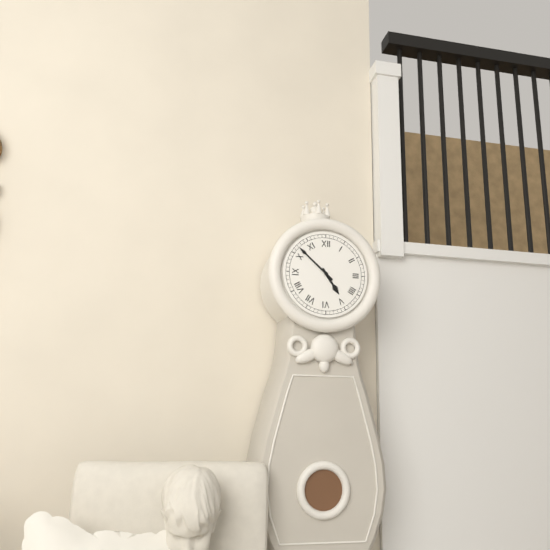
**4:52**
